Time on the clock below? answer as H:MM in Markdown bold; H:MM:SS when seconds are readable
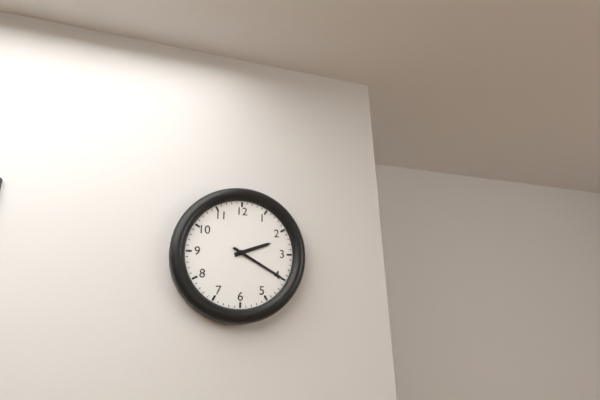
**2:20**
